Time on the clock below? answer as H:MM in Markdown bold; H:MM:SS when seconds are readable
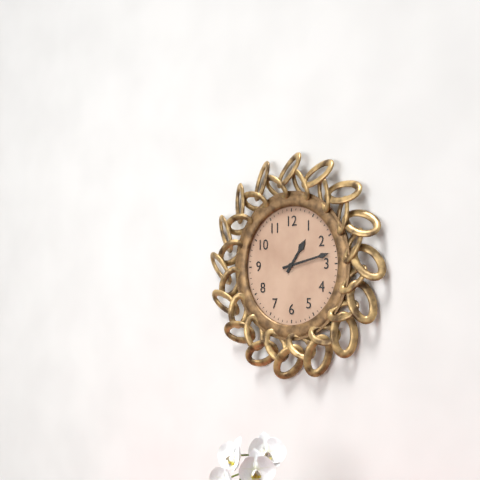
**1:13**
